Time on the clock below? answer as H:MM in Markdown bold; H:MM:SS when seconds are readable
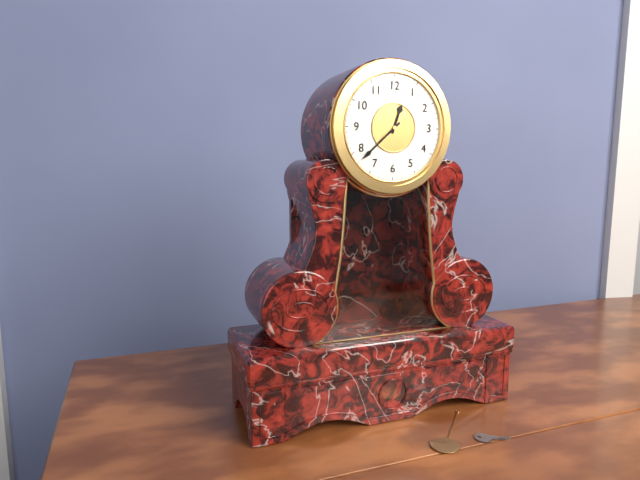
**12:38**
